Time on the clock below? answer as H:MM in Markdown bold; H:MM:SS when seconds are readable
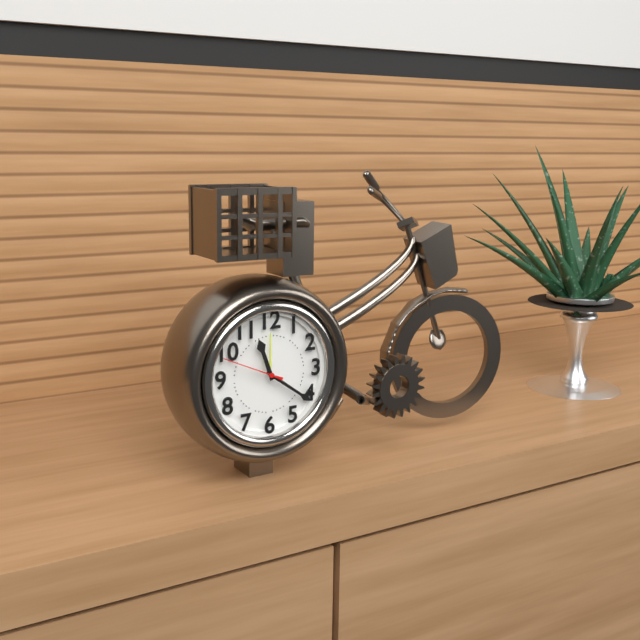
**11:21:49**
